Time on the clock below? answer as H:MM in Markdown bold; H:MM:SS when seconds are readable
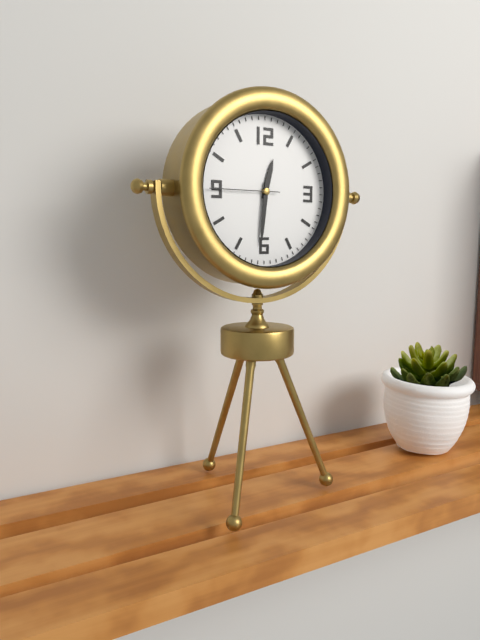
**12:31:45**
